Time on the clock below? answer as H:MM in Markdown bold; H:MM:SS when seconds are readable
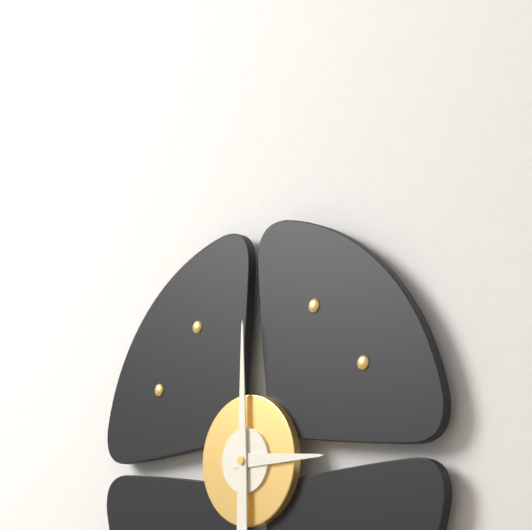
**3:00**
